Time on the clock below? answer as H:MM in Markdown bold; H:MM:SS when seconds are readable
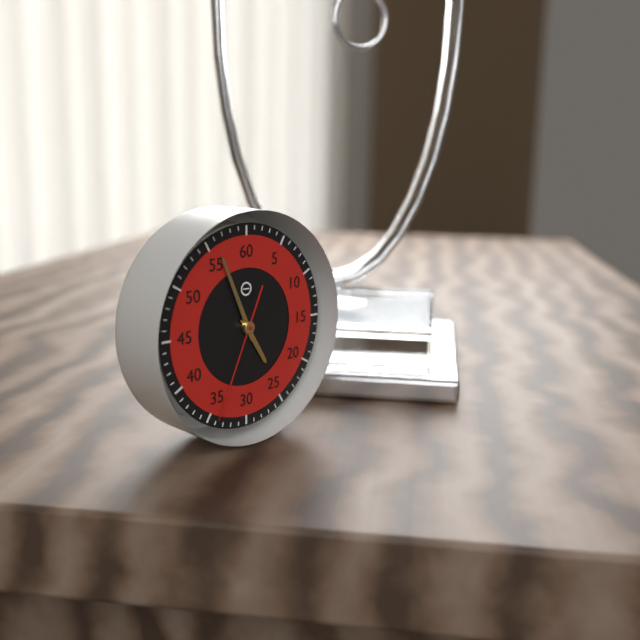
**4:56:34**
